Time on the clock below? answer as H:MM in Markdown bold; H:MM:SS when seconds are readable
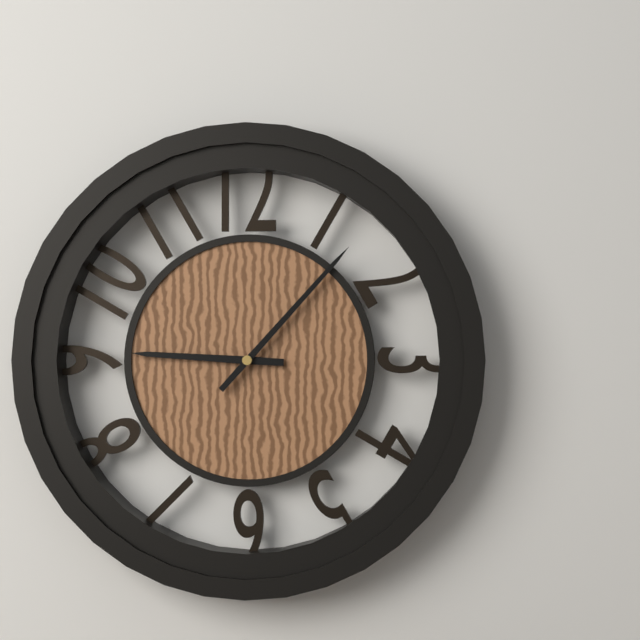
**9:07**
